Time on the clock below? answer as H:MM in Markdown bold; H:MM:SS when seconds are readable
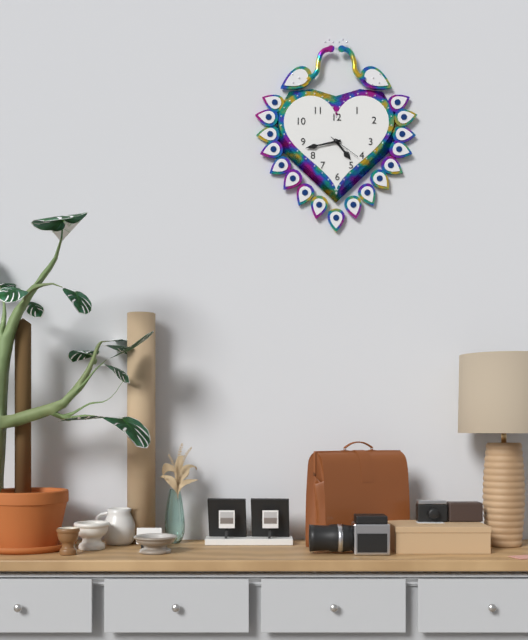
**4:43**
